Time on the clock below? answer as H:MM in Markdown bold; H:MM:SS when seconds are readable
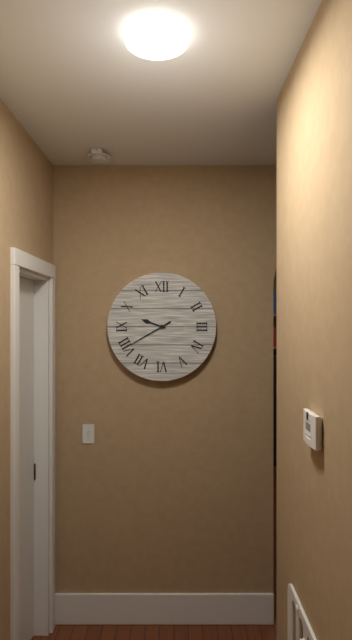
**9:40**
